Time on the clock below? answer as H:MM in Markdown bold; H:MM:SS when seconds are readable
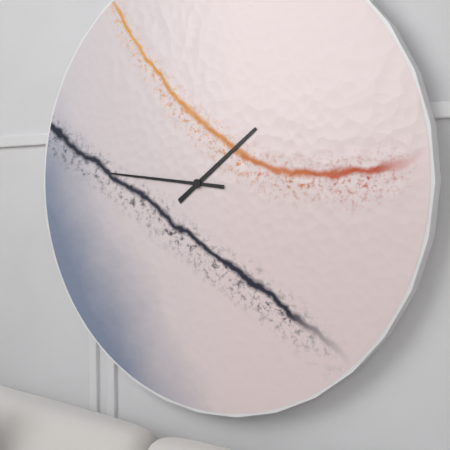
**1:46**
